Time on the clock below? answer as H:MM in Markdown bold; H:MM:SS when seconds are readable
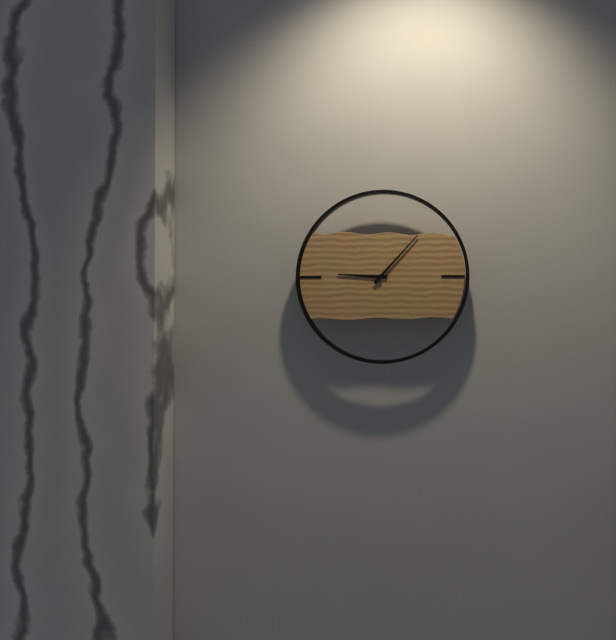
**9:07**
